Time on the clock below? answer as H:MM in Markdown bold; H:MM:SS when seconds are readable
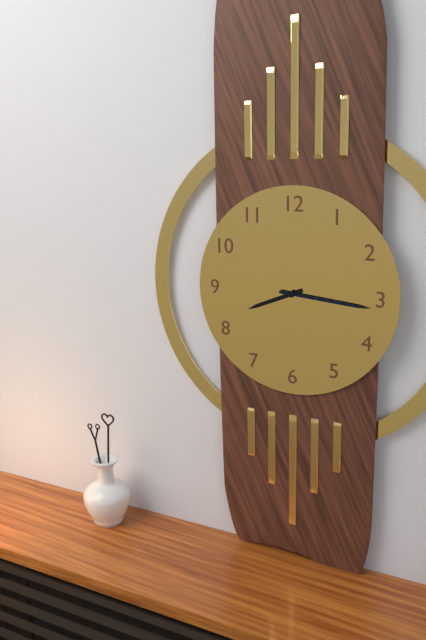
**8:16**
